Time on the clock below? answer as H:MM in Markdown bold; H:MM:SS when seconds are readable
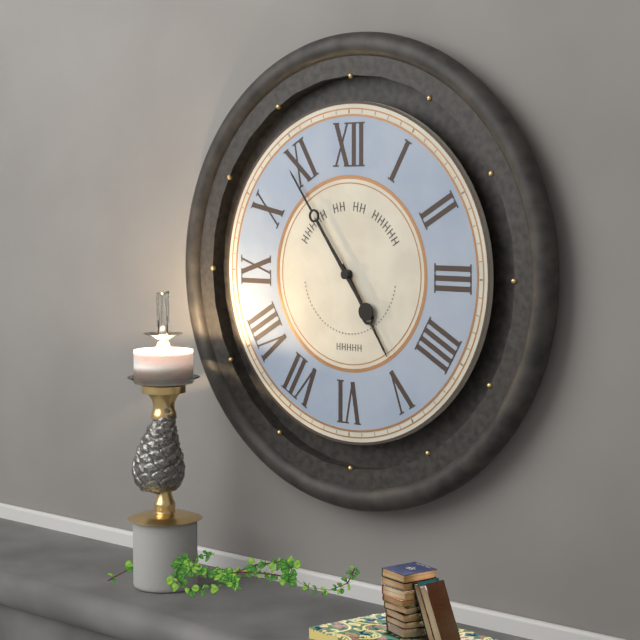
**4:54**
